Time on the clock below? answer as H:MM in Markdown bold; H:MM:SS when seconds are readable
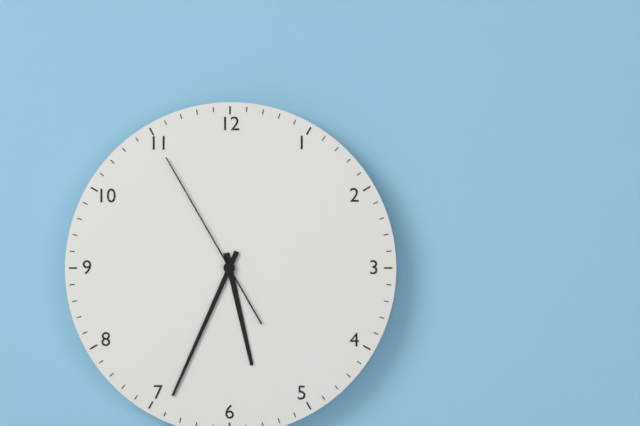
**5:34:55**
